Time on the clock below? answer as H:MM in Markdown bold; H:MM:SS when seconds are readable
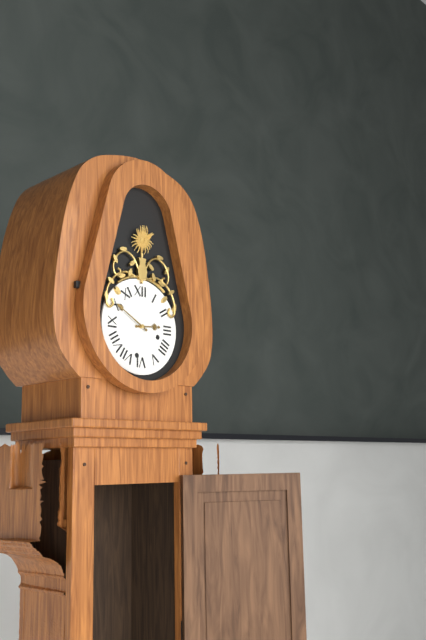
**2:50**
